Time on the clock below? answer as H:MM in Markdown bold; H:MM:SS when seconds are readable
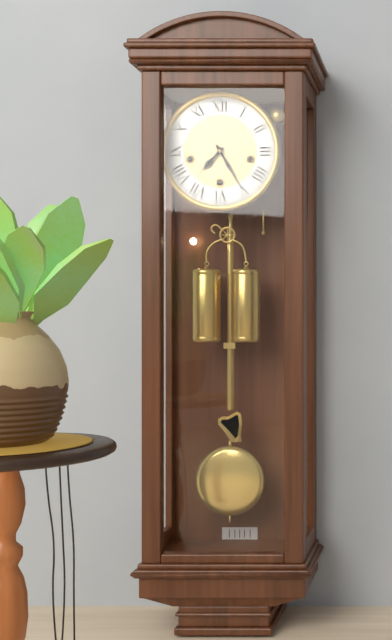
**7:25**
